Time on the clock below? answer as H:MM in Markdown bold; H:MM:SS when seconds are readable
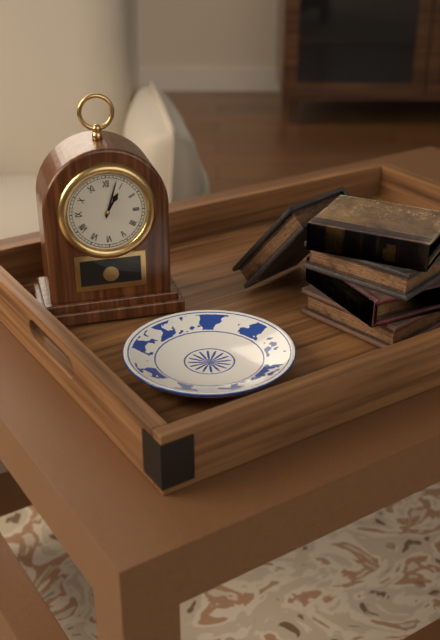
**1:03**
